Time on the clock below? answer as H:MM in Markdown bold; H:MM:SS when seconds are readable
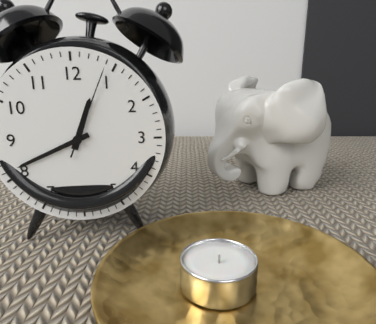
**12:41:04**
